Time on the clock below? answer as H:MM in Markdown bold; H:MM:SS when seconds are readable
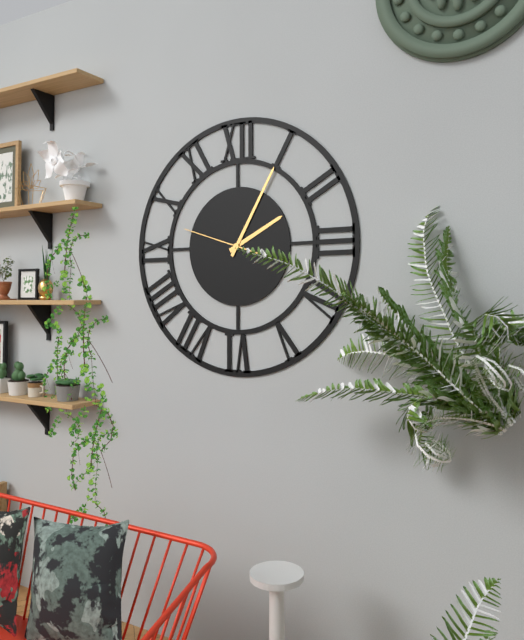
**2:05:48**
